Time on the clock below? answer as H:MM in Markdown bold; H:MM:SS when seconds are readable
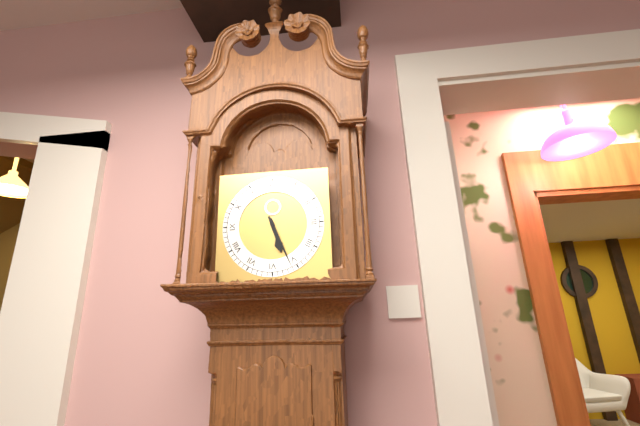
**5:26**
